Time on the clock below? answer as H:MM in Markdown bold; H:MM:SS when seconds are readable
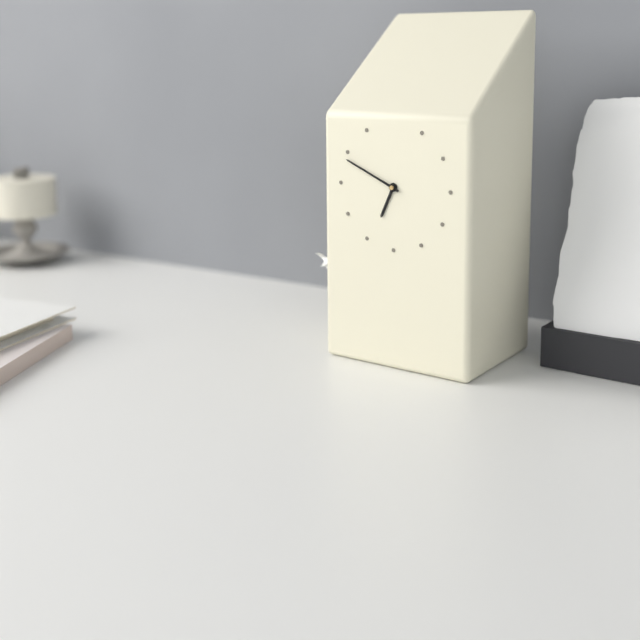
**6:49**
